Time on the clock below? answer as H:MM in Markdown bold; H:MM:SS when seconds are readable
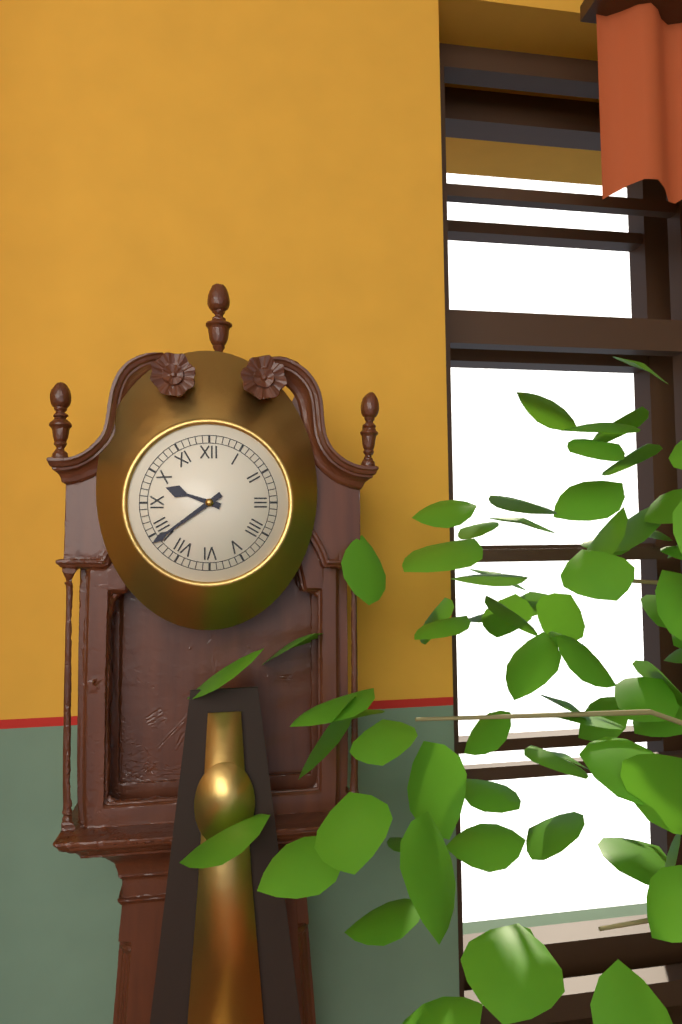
**9:39**
